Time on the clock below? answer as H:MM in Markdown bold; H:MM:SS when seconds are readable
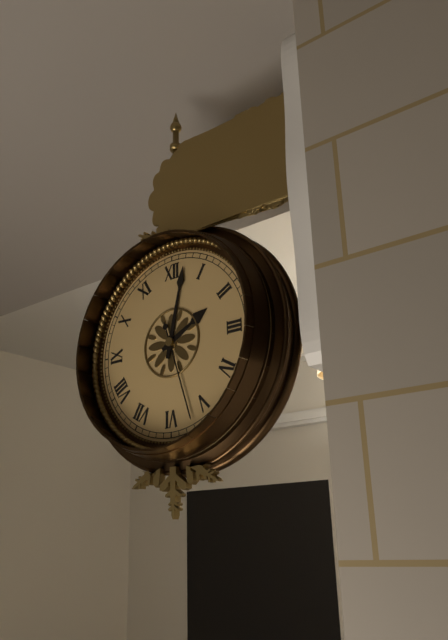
**2:02:27**
